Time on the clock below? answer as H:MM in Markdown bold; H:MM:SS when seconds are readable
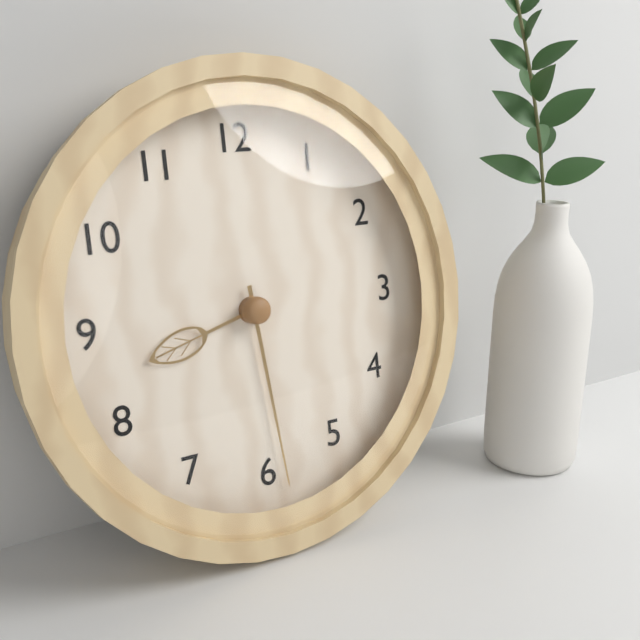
**8:29**
